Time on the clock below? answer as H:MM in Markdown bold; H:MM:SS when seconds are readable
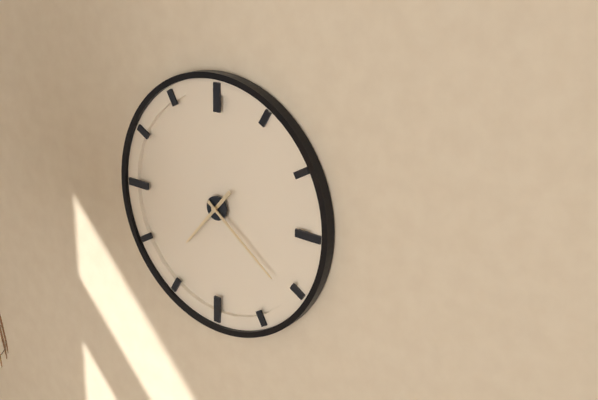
**7:21**
